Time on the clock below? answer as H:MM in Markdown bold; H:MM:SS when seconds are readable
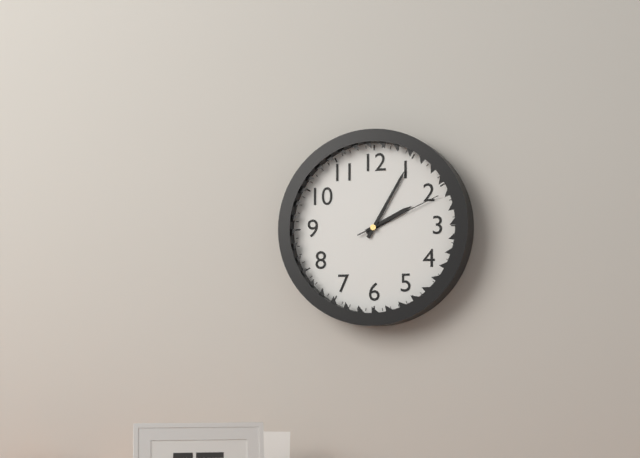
**2:05:11**
